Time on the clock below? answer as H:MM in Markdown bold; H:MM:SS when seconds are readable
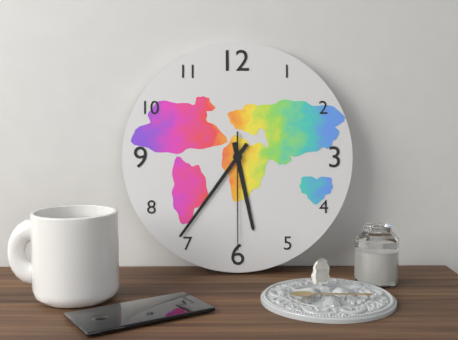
**5:36:30**
